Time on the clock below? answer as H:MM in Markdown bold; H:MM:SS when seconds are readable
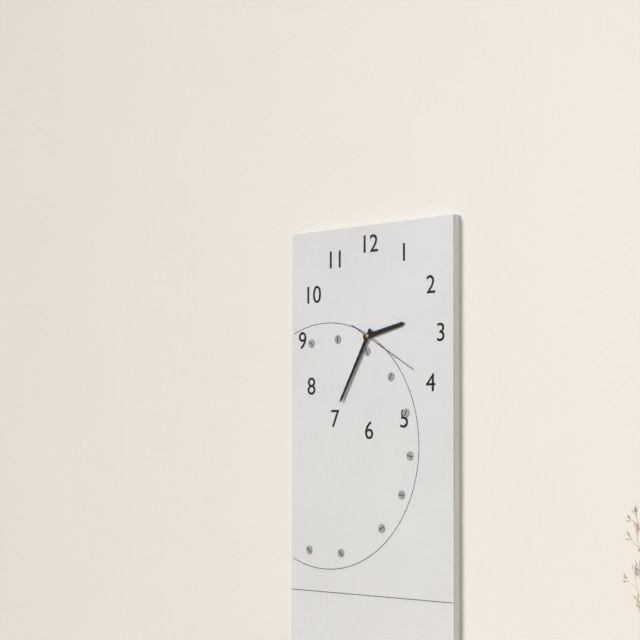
**2:35:20**
